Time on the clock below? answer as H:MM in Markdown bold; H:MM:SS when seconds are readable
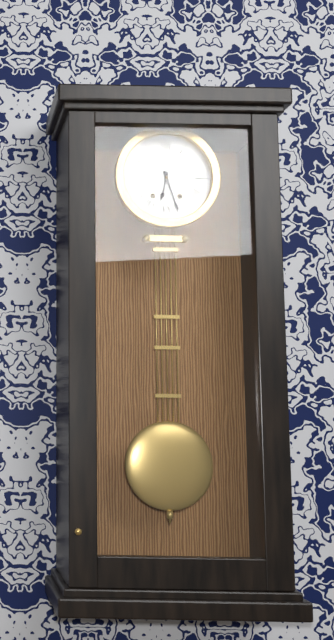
**6:27**
